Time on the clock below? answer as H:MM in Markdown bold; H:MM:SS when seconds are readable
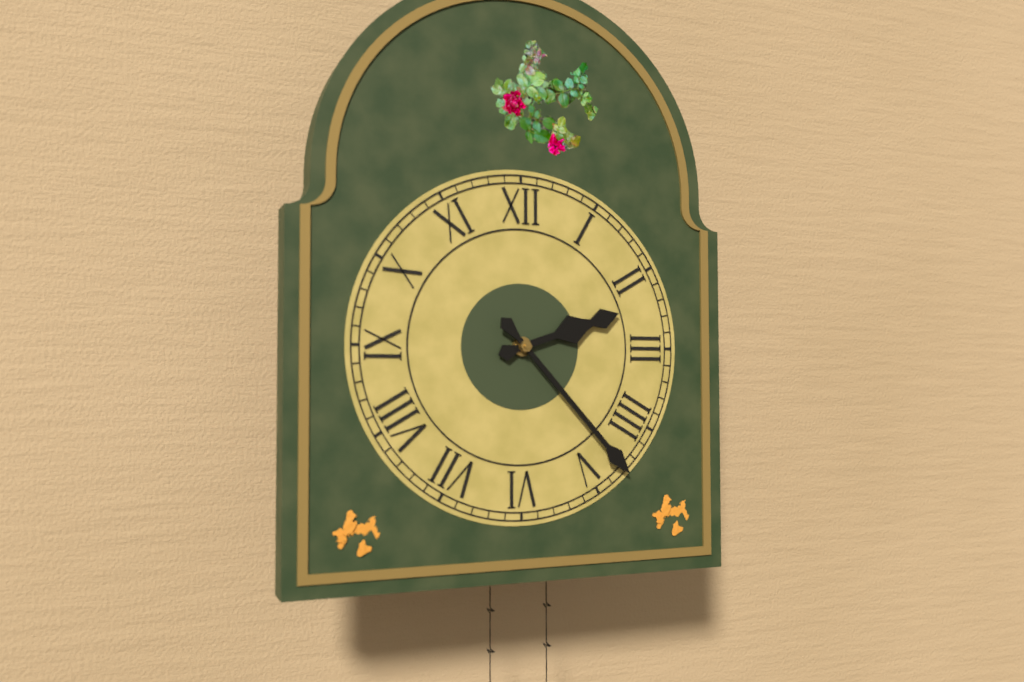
**2:23**
